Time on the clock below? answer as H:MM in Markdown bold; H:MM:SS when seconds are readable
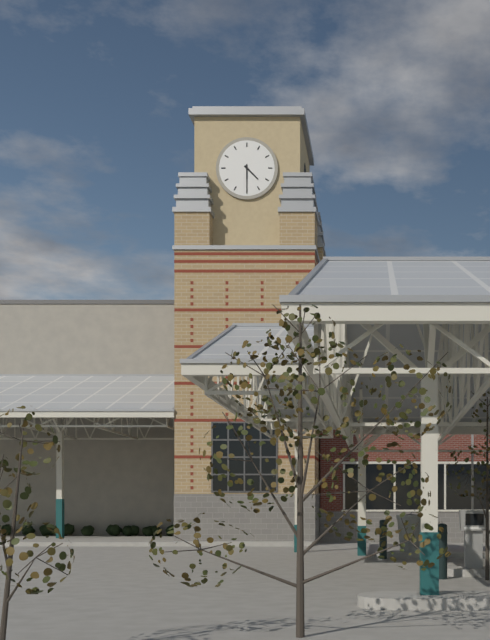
**4:30**
